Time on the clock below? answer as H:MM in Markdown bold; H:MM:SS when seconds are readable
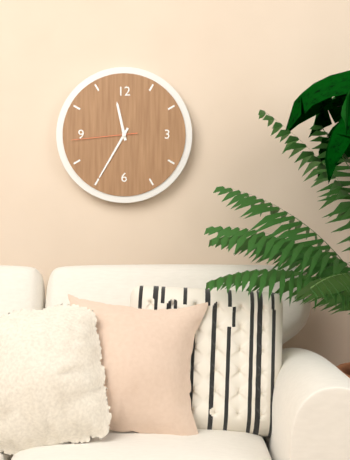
**11:35:44**
